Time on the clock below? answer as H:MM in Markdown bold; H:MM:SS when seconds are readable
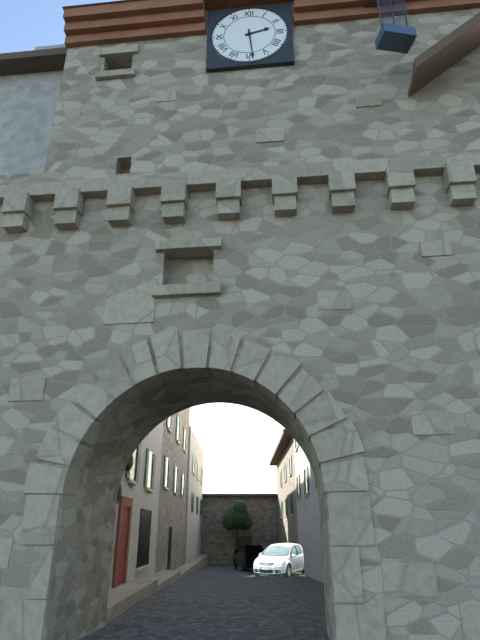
**2:29**
